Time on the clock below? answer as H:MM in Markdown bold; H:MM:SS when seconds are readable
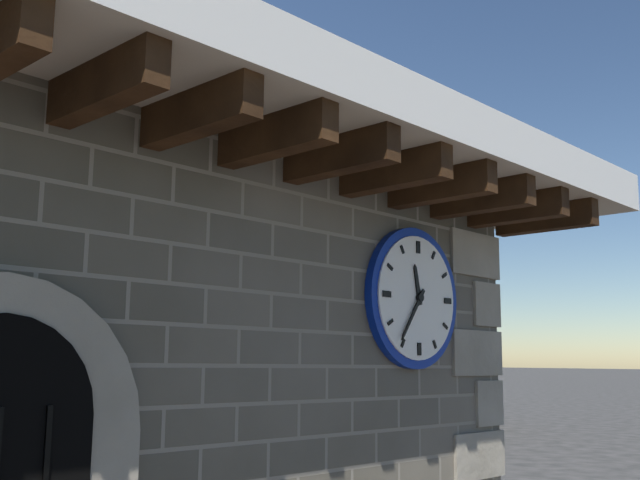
**11:36**
